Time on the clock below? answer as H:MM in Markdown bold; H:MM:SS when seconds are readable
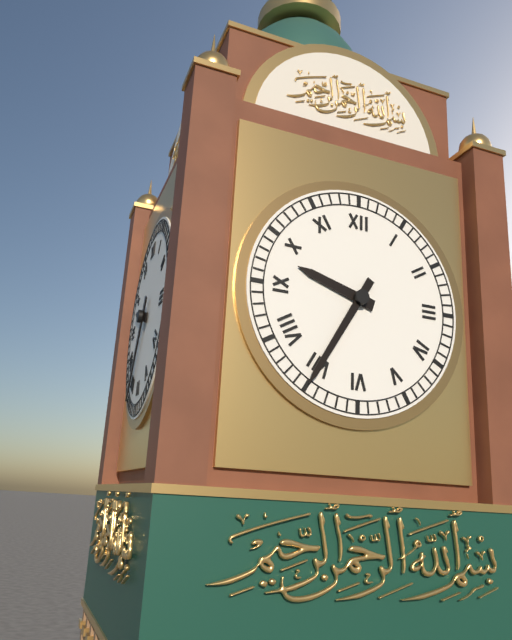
**9:35**
